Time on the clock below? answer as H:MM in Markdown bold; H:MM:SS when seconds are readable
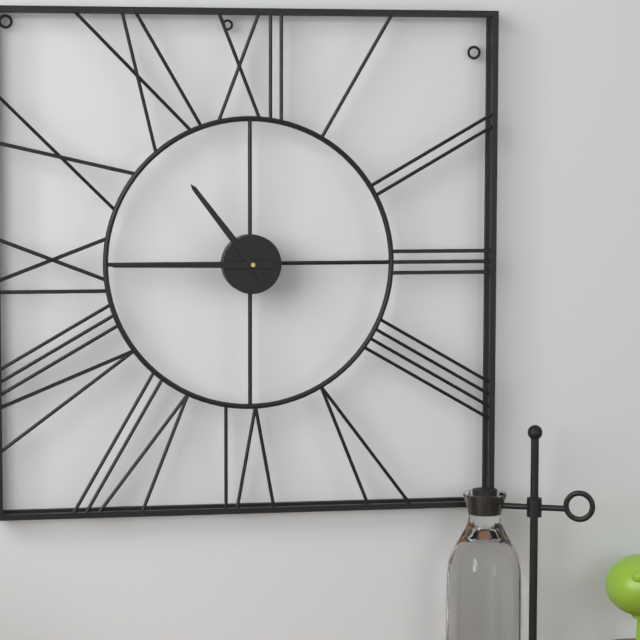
**10:45**
